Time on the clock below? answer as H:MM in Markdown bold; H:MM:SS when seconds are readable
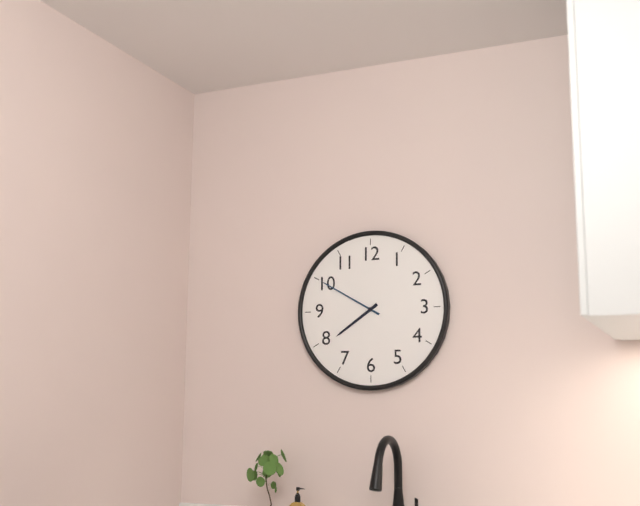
**7:50**
